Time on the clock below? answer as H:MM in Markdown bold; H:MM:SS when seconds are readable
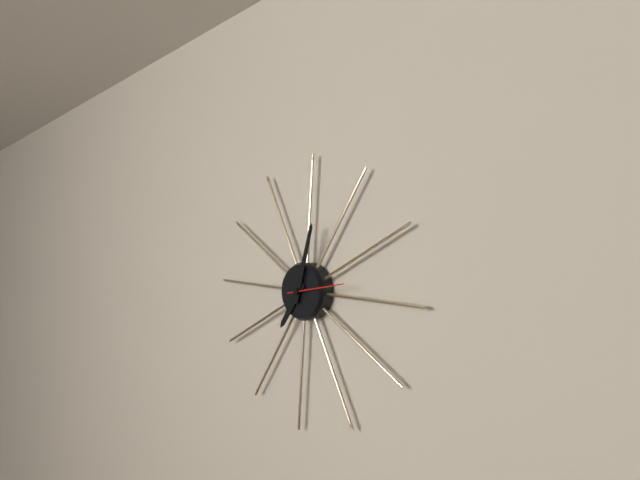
**7:02**
